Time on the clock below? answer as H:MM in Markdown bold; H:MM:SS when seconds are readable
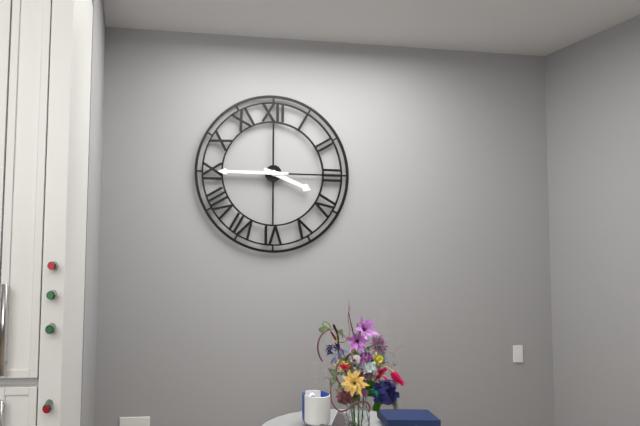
**3:45**
